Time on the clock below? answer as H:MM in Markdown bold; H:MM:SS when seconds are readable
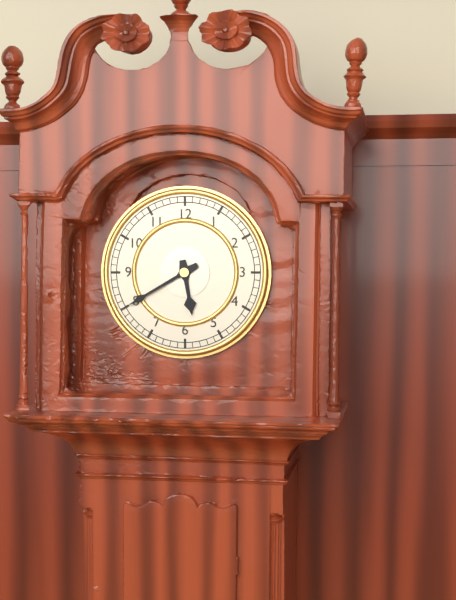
**5:40**
